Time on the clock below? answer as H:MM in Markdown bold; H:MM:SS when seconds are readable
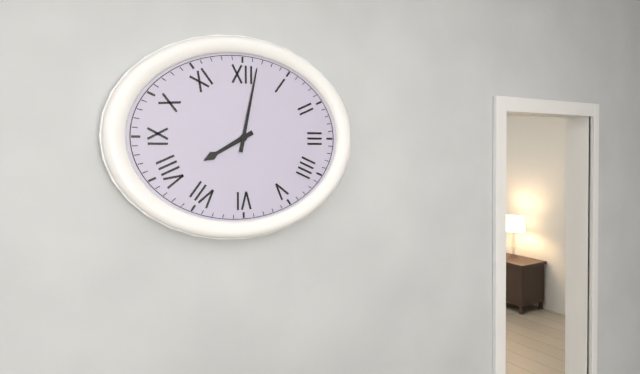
**8:02**
